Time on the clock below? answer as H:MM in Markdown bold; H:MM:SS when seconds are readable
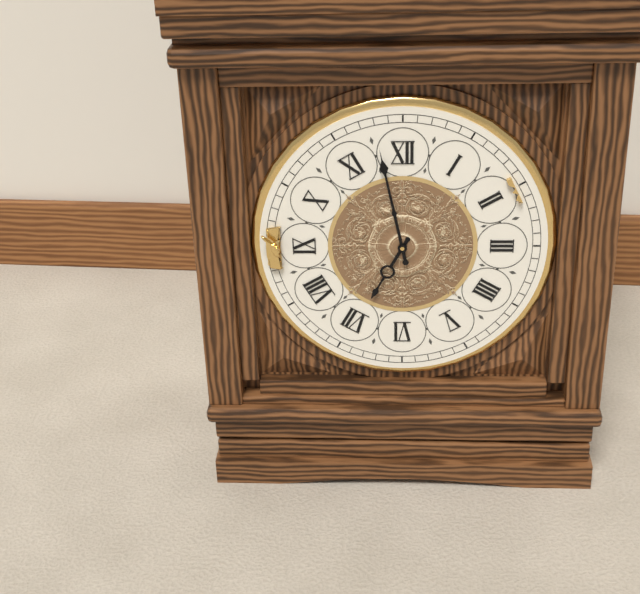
**6:58**
